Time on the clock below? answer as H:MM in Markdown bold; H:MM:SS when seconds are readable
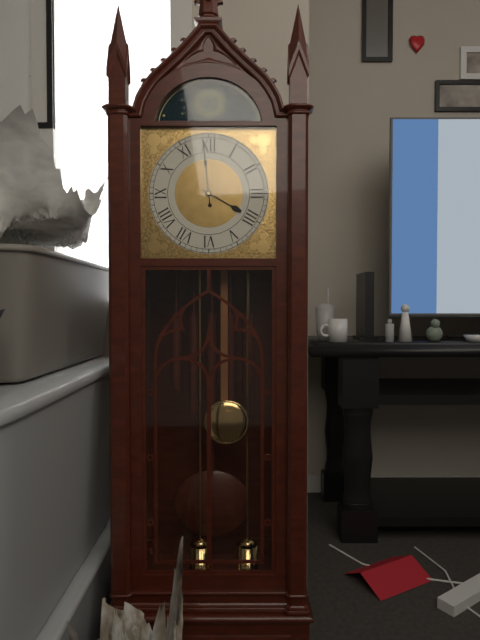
**3:59**
